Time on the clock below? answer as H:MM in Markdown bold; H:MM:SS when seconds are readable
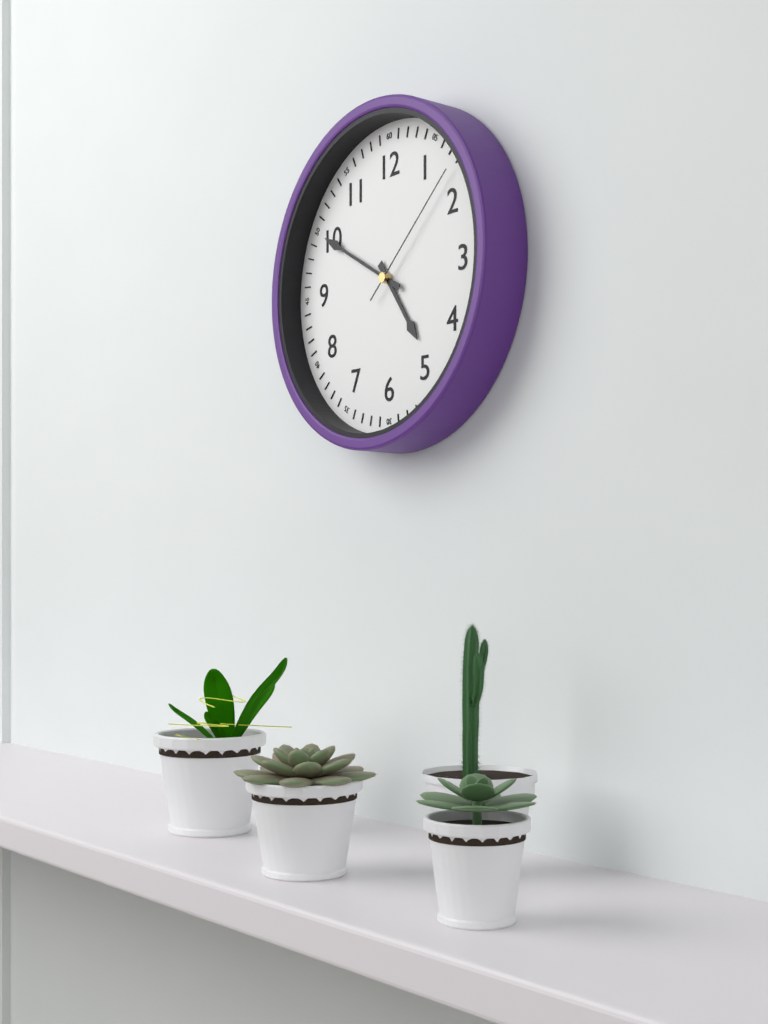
**4:50:08**
